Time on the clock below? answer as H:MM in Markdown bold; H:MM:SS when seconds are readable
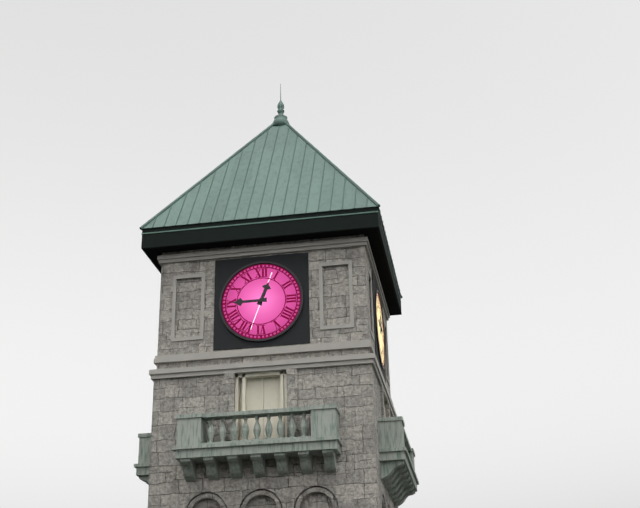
**12:45**
